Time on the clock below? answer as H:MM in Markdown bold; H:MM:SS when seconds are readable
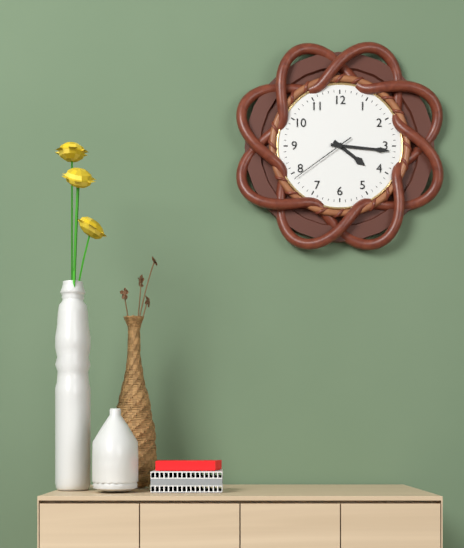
**4:16:39**
